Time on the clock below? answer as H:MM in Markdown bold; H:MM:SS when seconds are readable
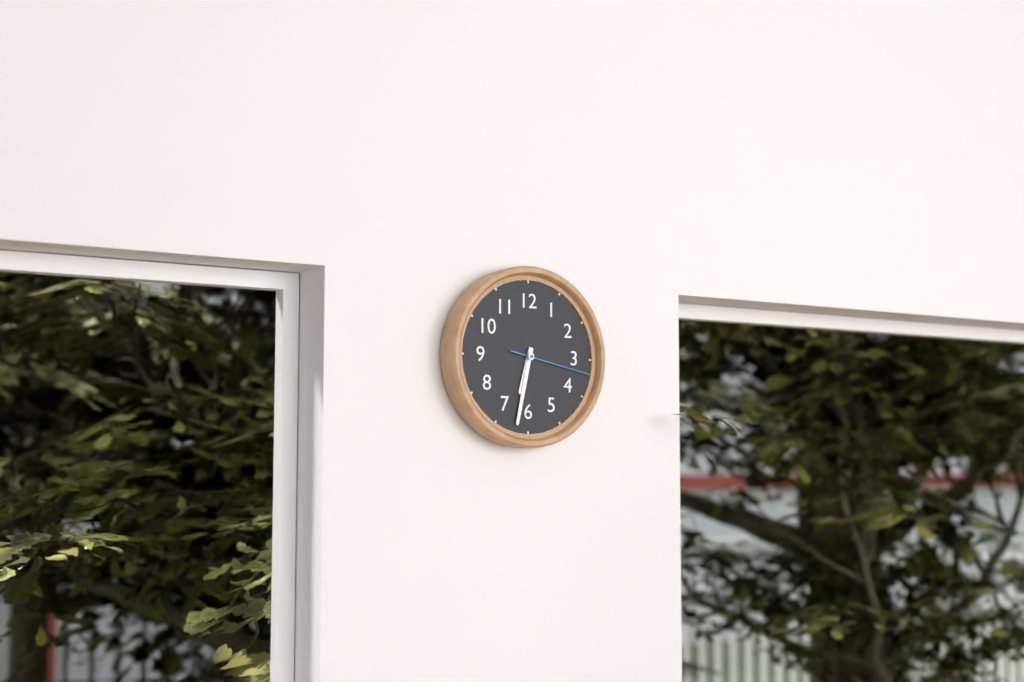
**6:32:17**
